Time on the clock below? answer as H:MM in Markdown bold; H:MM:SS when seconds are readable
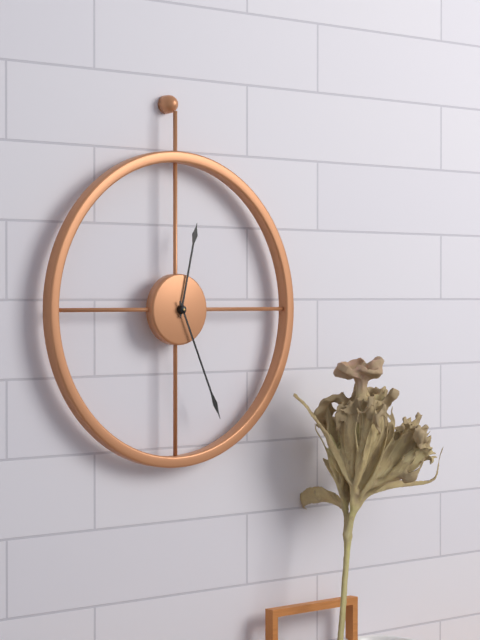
**12:26**
